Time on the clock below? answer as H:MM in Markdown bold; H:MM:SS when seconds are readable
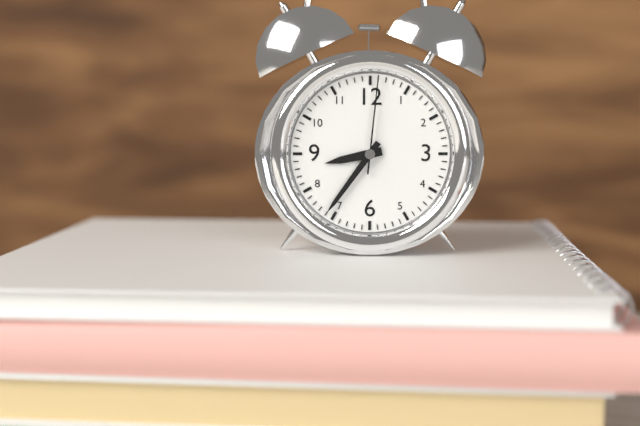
**8:36:01**
